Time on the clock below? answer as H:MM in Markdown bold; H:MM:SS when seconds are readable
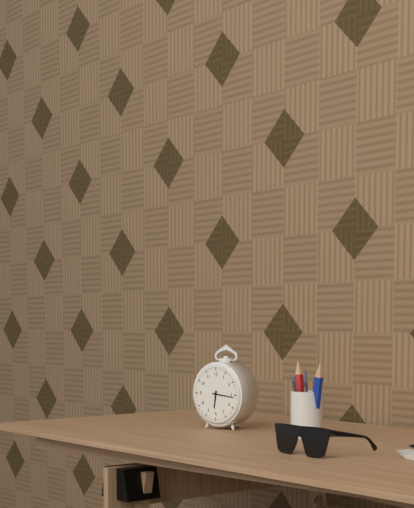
**6:16**
